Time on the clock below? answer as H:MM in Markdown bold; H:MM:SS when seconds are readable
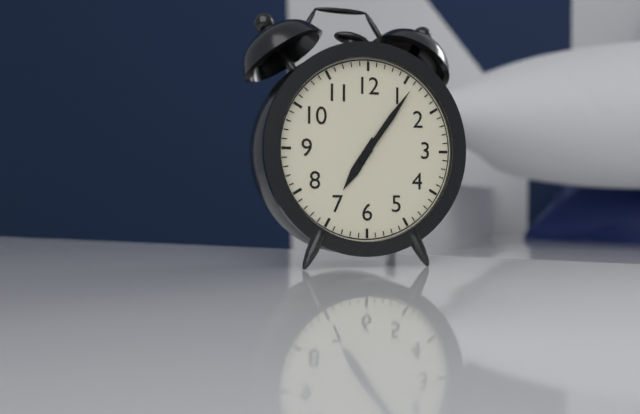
**7:06**
